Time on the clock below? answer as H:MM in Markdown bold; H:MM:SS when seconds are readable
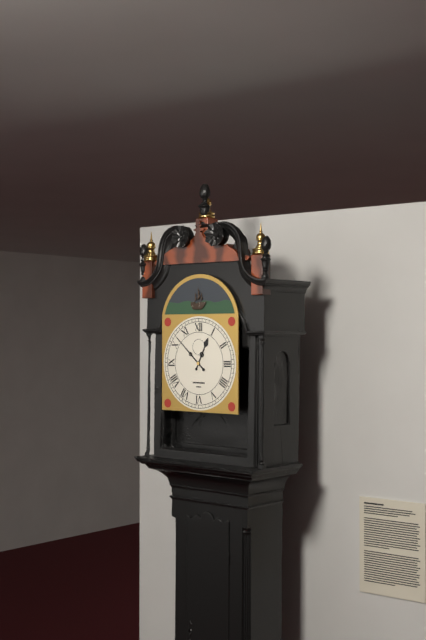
**12:52**
